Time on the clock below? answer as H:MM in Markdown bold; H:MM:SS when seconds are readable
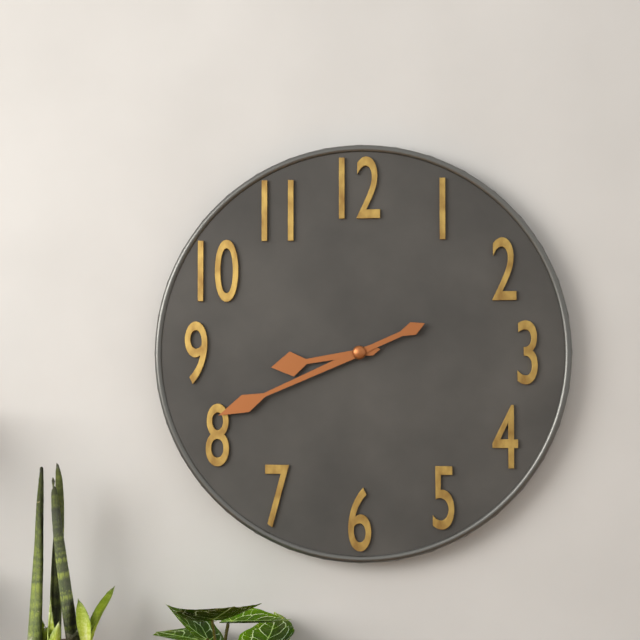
**8:41**
